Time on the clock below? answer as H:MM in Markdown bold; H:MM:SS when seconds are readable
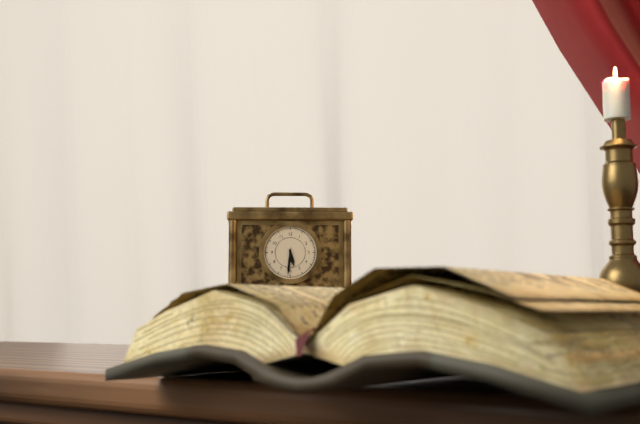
**5:31**
